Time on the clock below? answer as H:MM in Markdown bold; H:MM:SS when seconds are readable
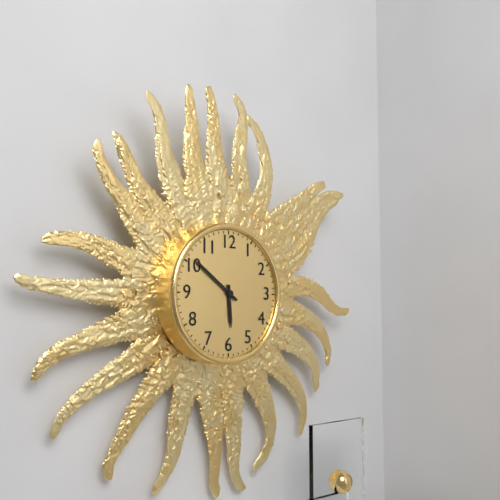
**5:51**
